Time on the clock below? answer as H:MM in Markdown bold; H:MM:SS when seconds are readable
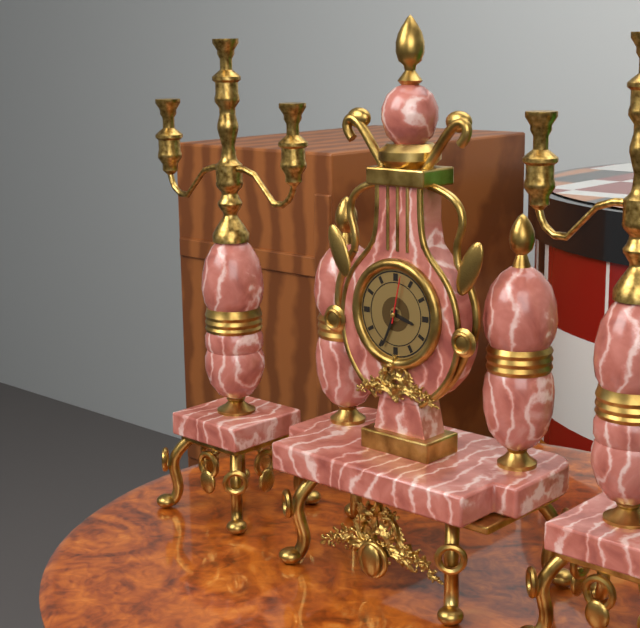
**3:34:02**
